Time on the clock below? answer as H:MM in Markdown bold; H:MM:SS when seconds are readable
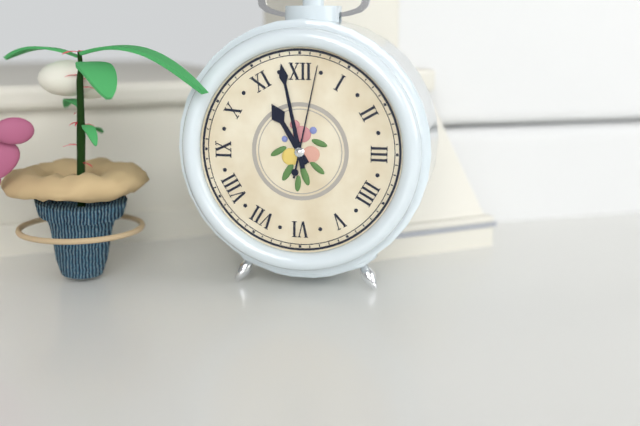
**10:58:02**
